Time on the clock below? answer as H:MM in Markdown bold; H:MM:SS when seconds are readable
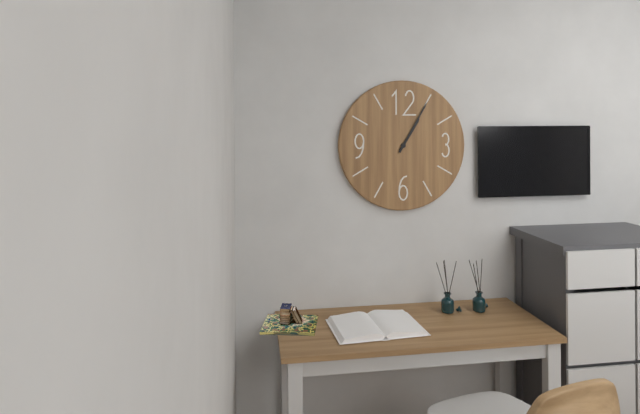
**1:05**
